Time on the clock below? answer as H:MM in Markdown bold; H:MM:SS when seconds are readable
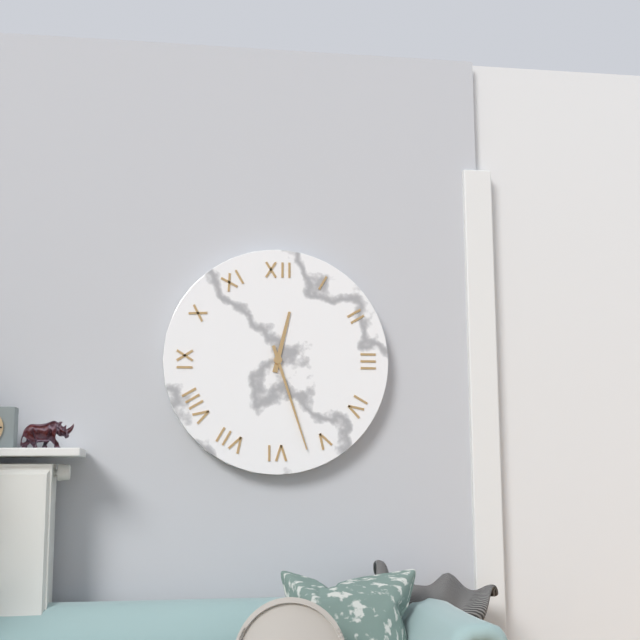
**12:27**
